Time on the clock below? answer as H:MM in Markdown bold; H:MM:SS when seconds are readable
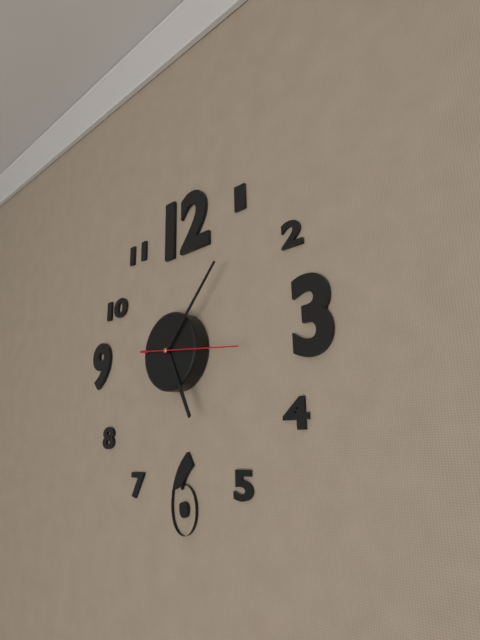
**5:07:16**
